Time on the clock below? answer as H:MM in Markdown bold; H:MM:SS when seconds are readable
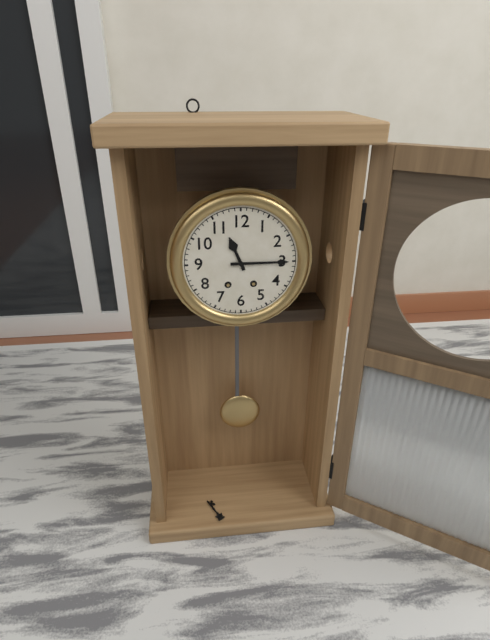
**11:15**
